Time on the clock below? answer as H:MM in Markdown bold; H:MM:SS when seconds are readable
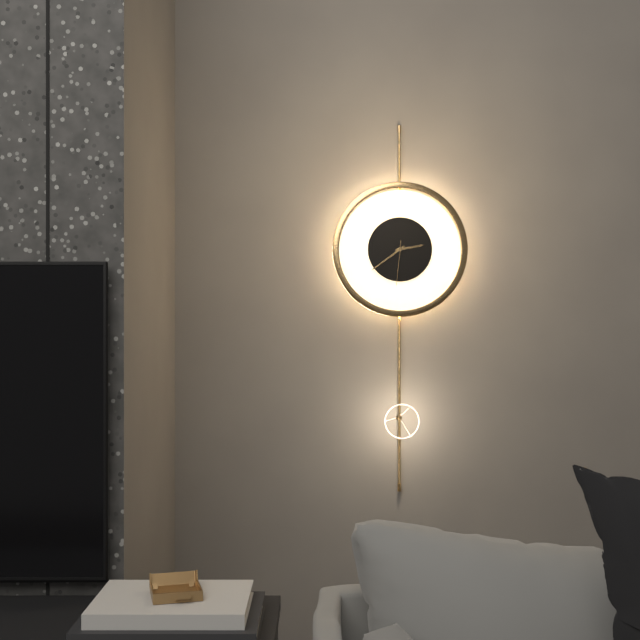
**2:39**
